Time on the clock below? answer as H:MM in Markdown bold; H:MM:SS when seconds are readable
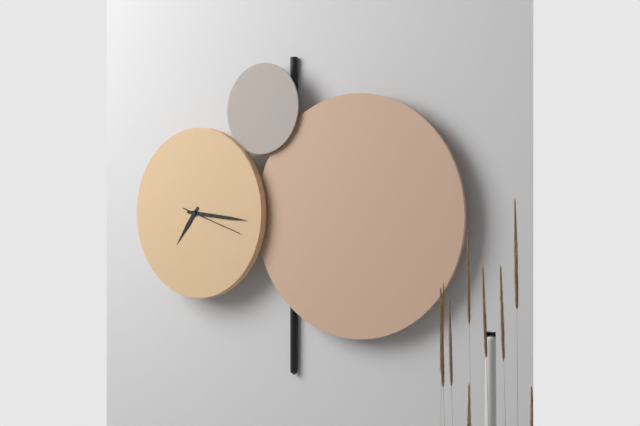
**7:16:18**
